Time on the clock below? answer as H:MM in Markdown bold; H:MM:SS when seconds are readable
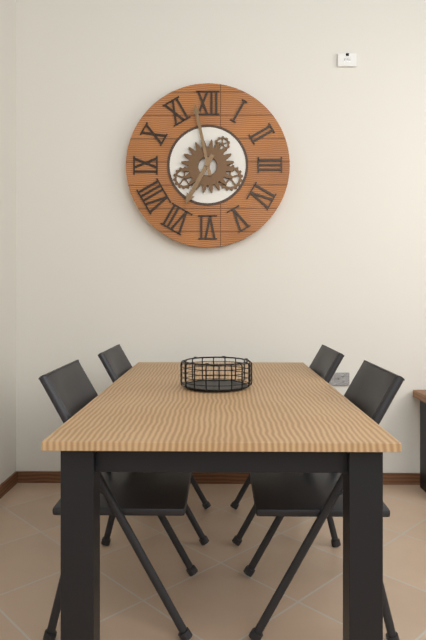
**6:58**
